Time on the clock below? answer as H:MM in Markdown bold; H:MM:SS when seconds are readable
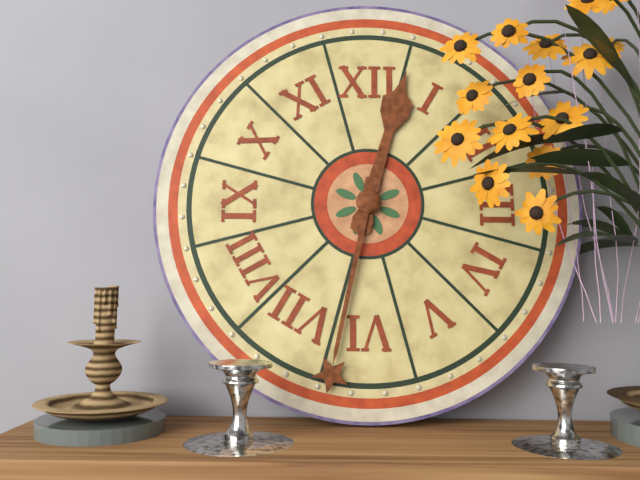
**12:32**
